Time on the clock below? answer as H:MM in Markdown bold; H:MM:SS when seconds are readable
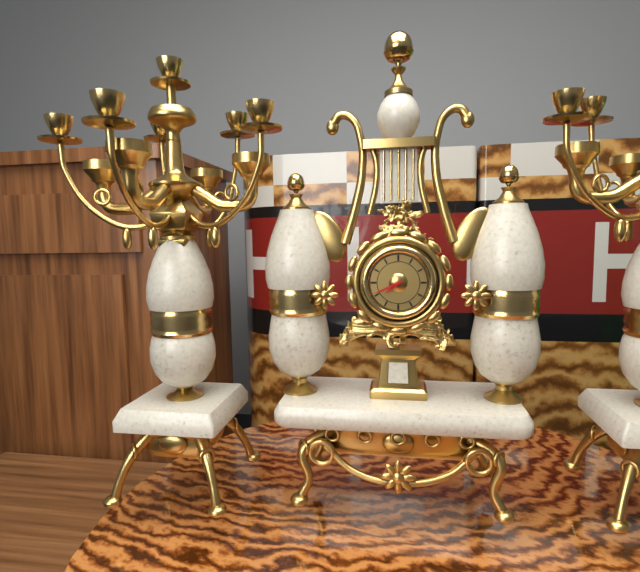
**7:41**
